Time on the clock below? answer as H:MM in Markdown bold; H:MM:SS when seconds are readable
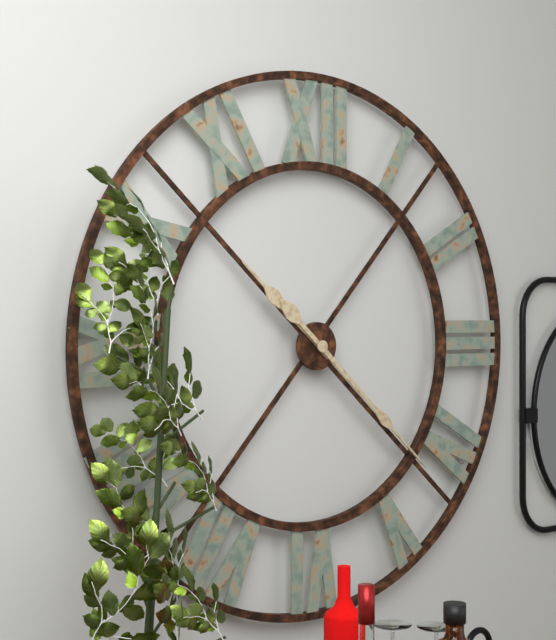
**10:22**
